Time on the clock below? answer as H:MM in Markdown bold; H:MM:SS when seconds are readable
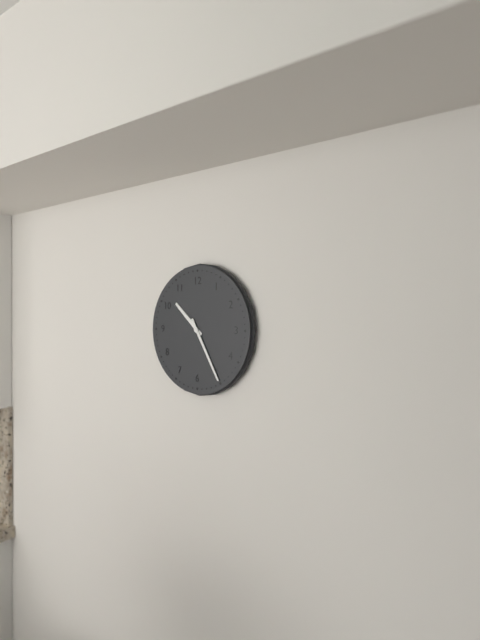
**10:25**
